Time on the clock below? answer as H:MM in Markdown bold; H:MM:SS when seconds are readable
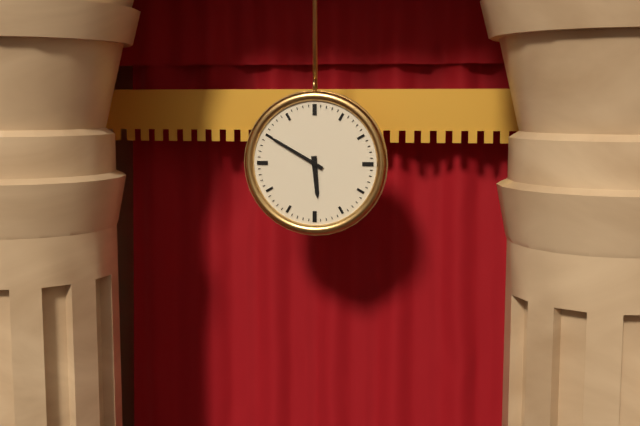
**5:50**
